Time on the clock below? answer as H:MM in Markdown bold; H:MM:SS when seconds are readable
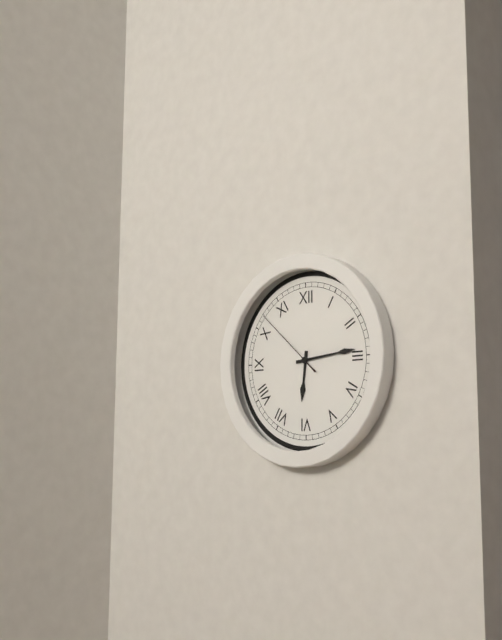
**6:14:52**
